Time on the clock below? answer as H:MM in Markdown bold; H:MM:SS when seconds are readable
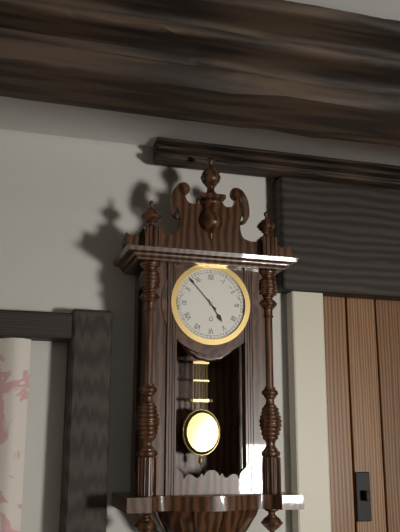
**4:53**
